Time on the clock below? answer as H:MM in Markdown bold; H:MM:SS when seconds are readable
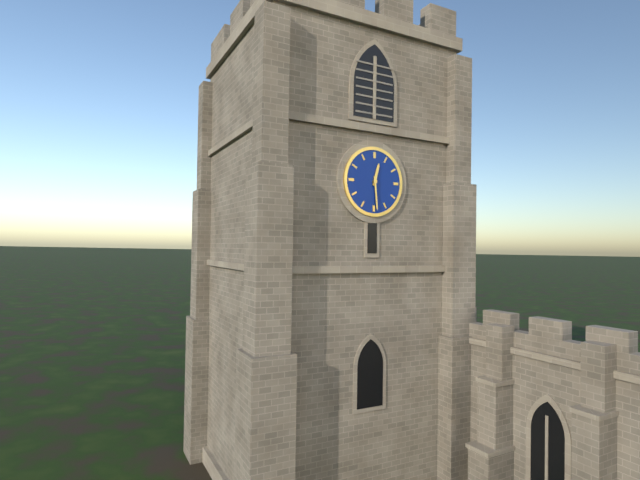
**12:29**
